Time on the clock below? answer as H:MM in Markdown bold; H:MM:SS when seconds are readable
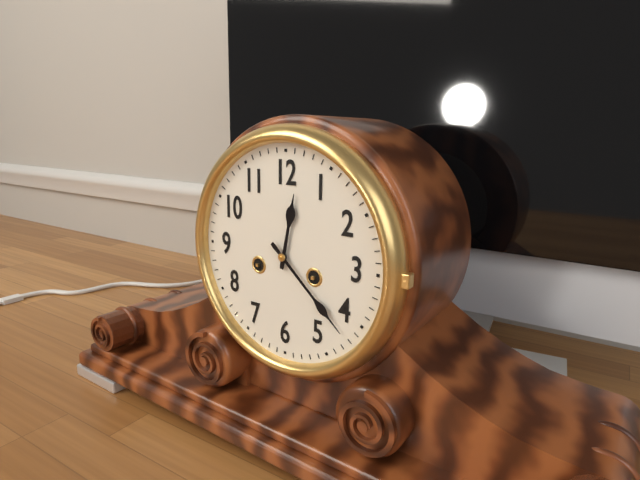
**12:22**
